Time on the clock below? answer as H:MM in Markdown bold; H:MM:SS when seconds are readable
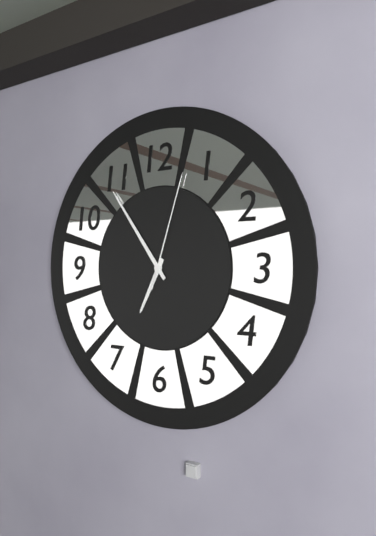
**6:54:03**
